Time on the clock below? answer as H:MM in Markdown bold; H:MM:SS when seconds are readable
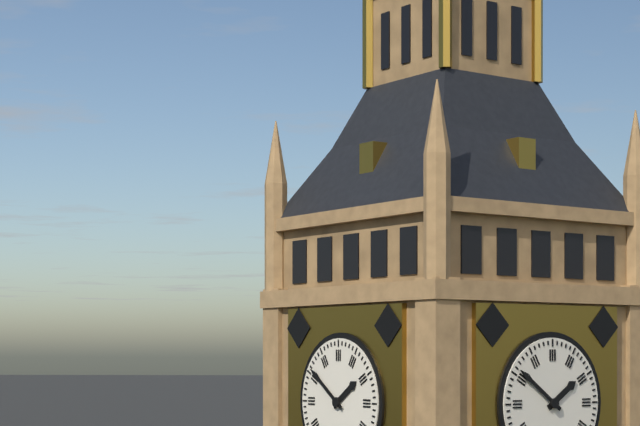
**1:51**
